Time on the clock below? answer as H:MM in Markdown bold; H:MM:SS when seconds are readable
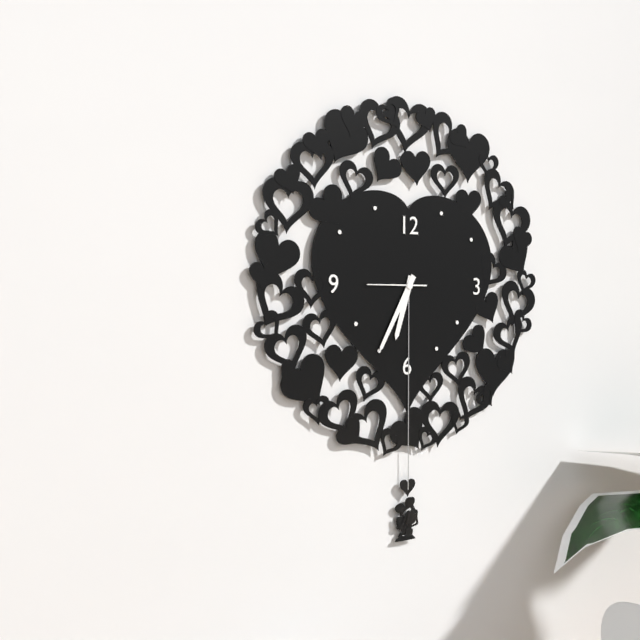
**6:35:45**
